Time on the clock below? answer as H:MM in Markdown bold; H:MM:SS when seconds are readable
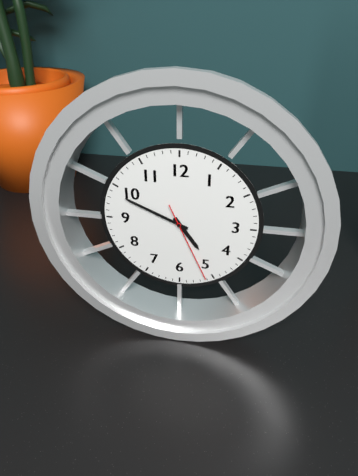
**4:49:26**
